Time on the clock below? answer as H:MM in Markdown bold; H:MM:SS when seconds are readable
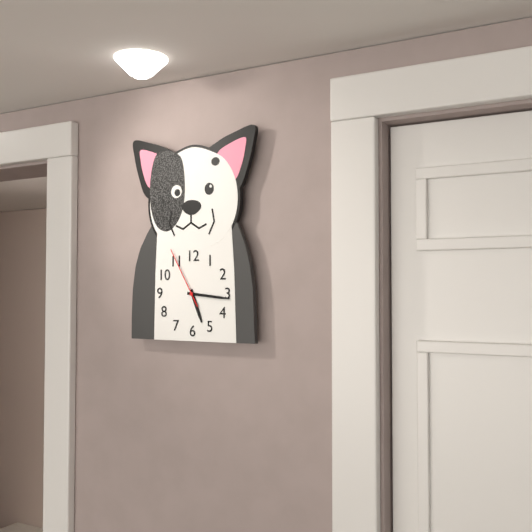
**5:16:55**
